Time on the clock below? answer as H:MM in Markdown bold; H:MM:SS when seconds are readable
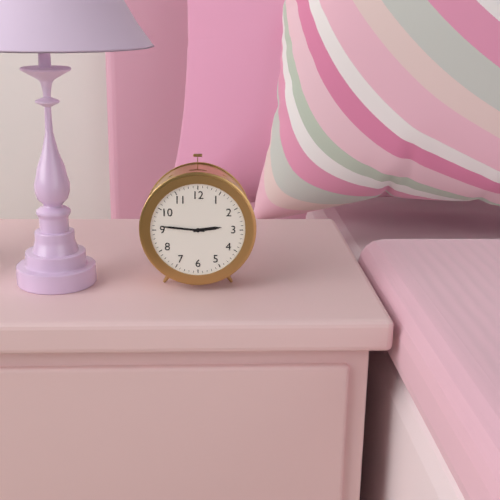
**2:46**
